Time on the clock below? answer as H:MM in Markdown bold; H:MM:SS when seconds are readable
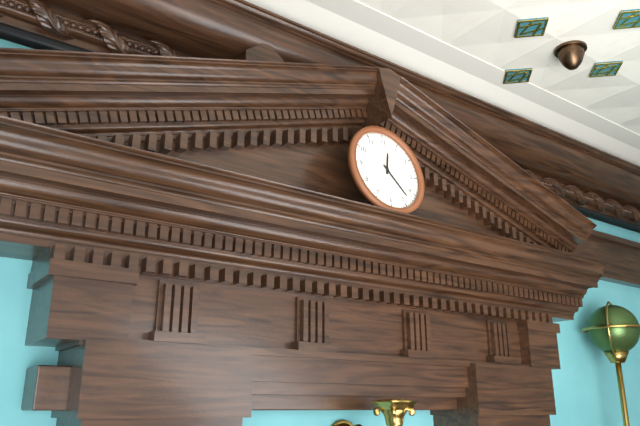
**12:23**
